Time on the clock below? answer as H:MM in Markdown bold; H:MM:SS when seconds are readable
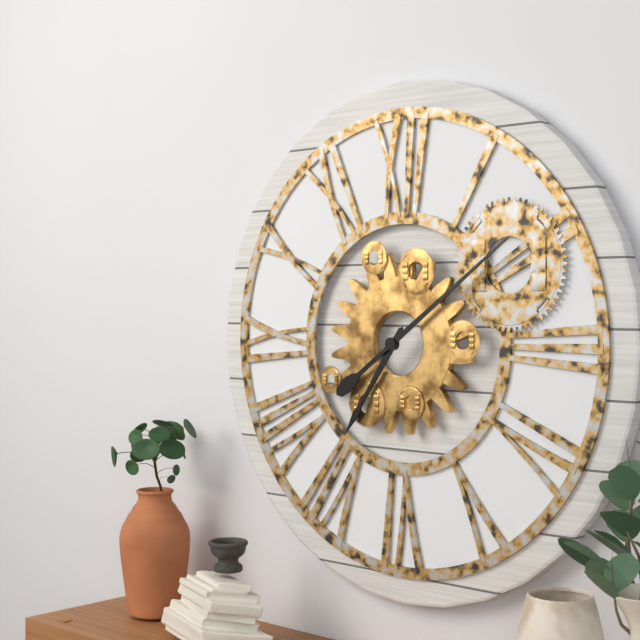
**7:09**
